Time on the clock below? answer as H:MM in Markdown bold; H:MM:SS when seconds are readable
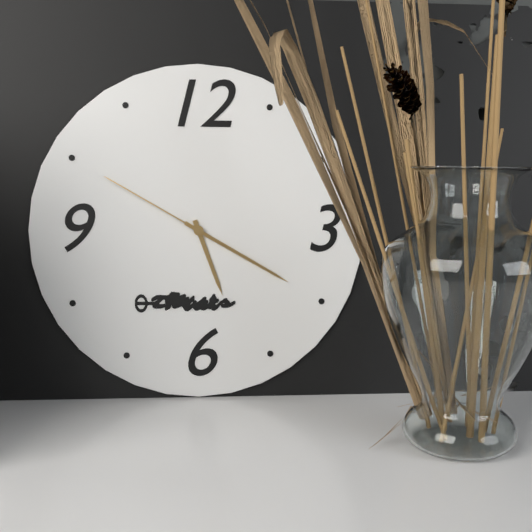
**5:20:50**
